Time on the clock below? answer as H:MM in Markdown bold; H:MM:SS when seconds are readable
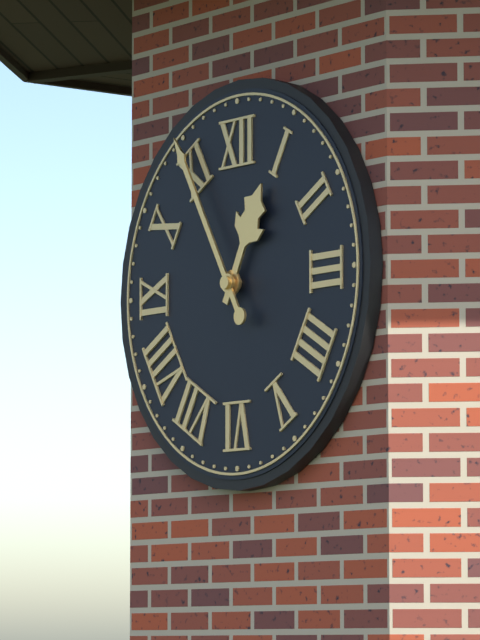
**12:55**
